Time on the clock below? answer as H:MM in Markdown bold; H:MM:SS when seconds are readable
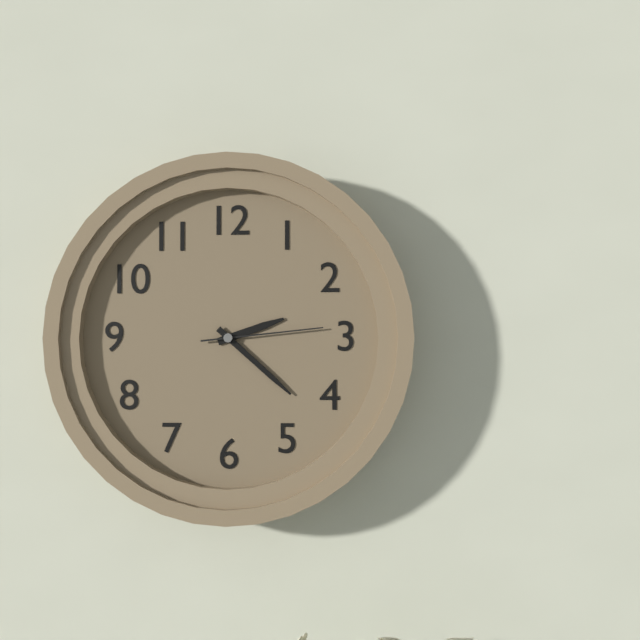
**2:22:14**
